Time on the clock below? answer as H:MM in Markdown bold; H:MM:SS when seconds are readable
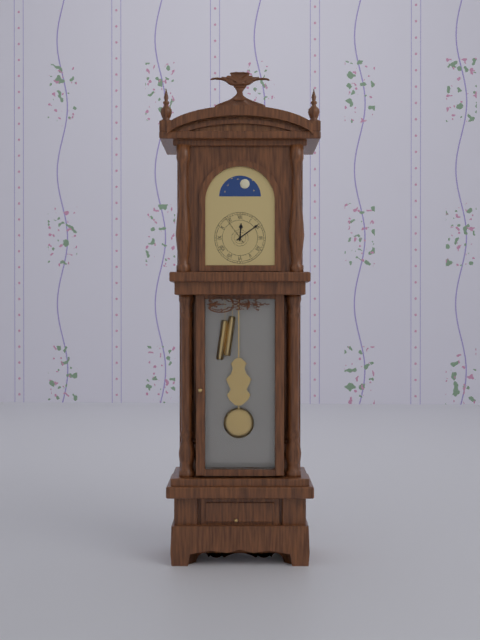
**12:09**
